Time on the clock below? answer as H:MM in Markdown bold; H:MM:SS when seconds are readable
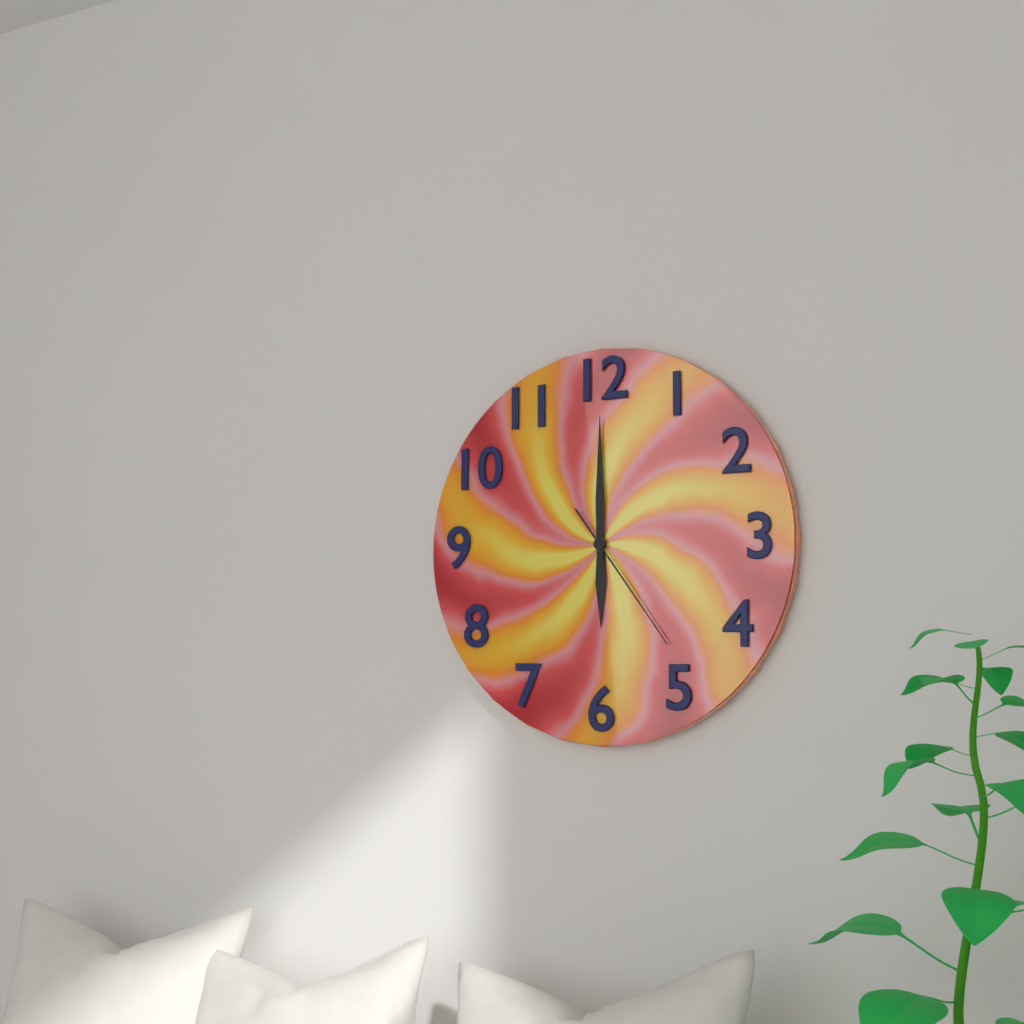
**6:00:24**
